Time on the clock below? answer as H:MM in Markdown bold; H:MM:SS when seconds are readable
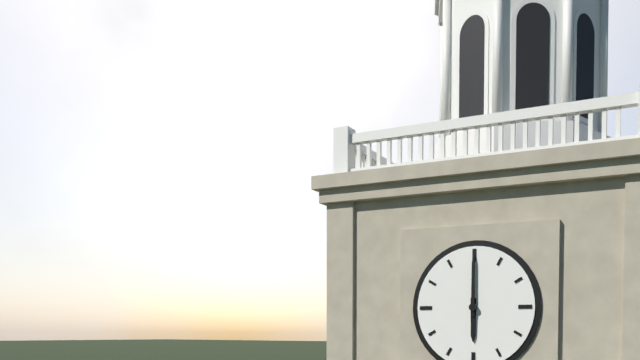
**6:00**
